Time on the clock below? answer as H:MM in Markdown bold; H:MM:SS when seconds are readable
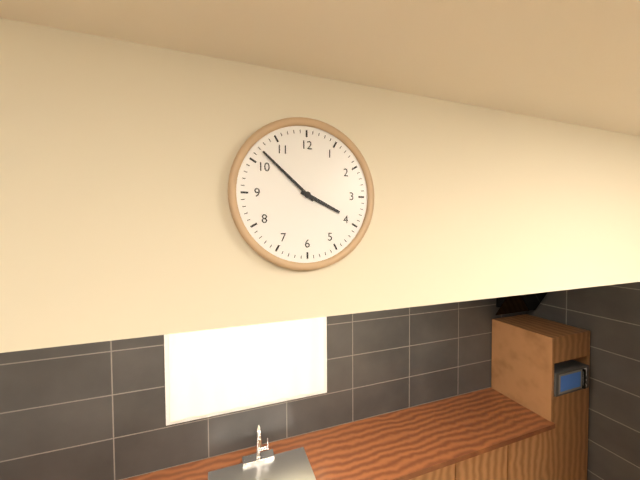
**3:52**
